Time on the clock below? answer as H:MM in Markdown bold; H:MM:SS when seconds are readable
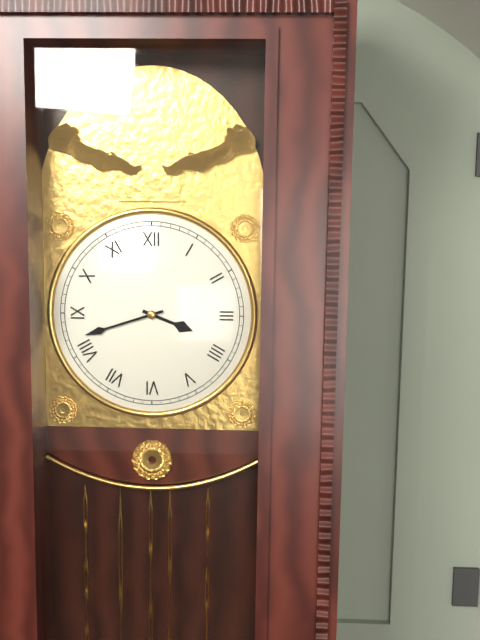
**3:42**
